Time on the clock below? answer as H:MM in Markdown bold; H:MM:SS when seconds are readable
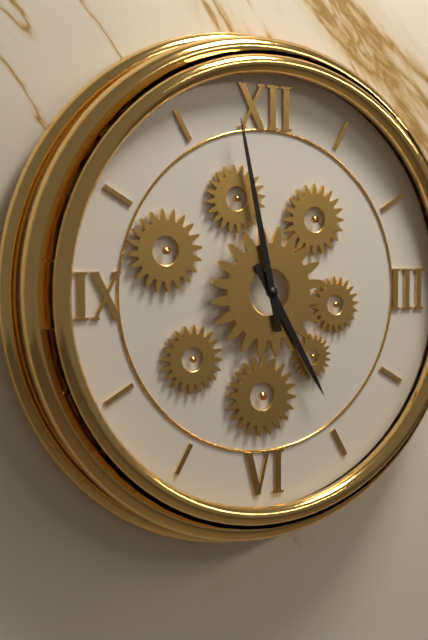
**4:58**
